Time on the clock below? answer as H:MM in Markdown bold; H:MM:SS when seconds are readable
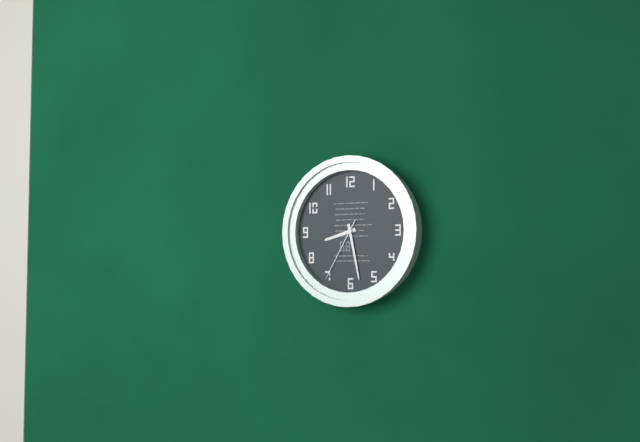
**8:28:35**
